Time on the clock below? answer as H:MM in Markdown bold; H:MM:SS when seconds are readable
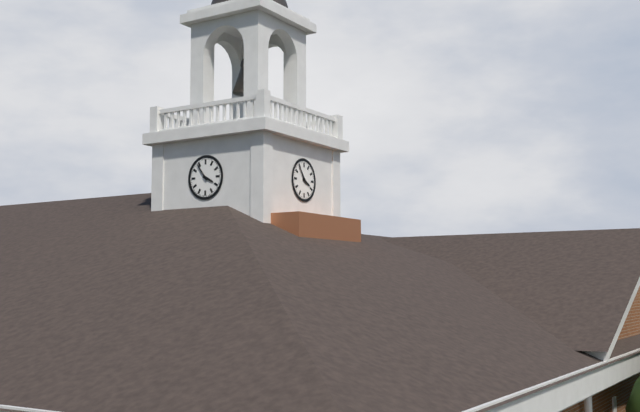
**3:54**
